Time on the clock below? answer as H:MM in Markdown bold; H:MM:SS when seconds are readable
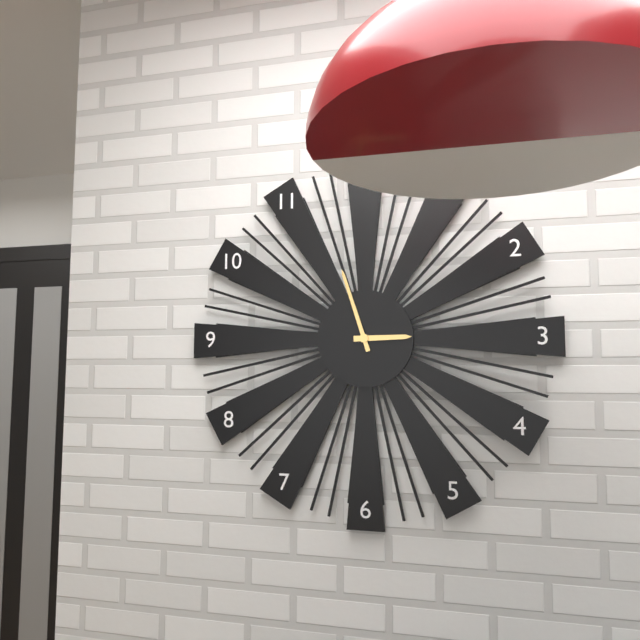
**2:57**
